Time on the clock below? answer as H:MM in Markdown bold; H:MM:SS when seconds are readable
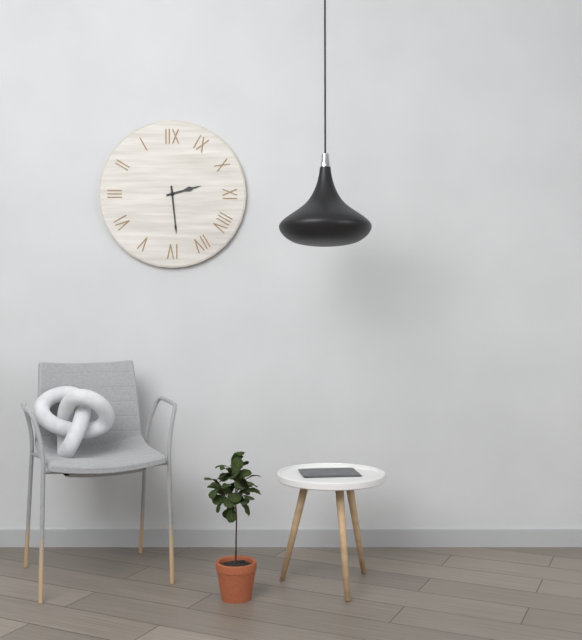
**2:29**
